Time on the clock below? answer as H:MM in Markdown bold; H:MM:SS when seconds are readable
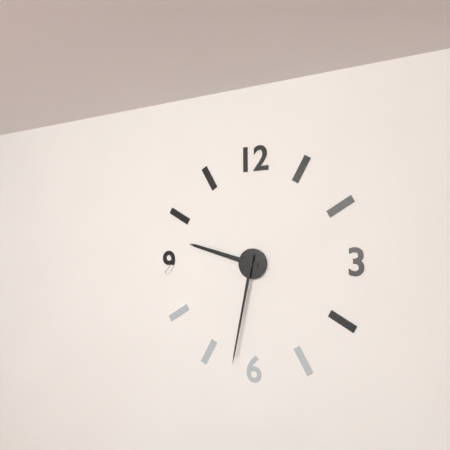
**9:32**
